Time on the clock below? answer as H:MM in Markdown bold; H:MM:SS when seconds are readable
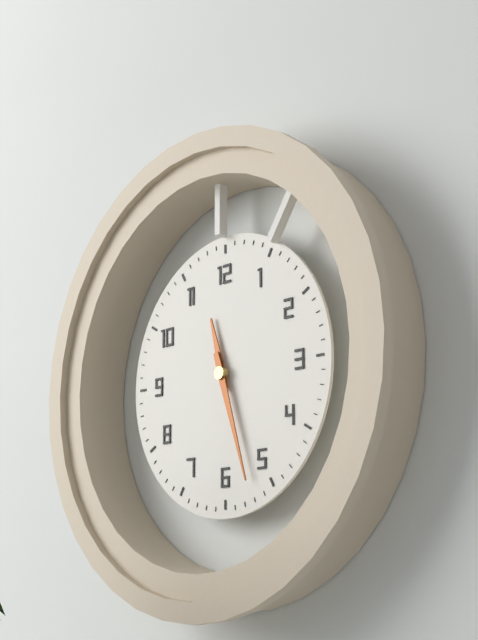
**11:27**
